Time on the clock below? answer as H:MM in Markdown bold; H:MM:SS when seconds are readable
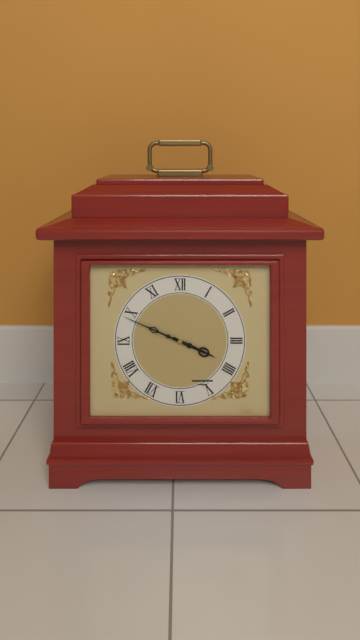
**3:49**
